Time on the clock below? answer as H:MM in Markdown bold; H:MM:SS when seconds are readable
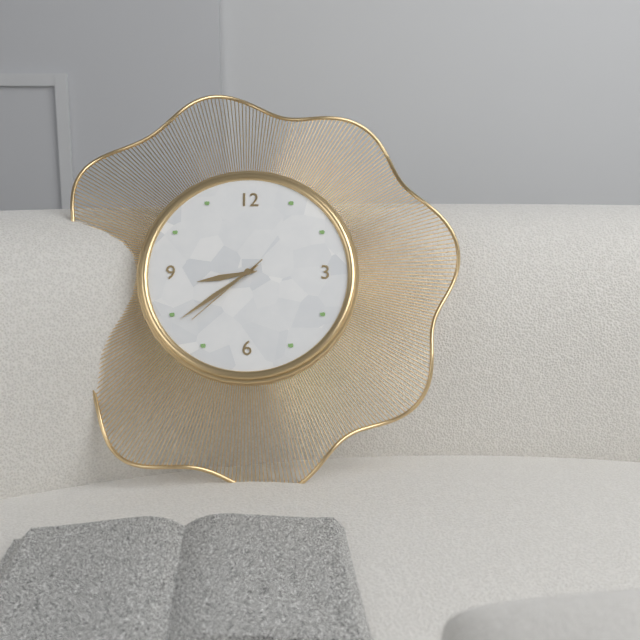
**8:39:38**
